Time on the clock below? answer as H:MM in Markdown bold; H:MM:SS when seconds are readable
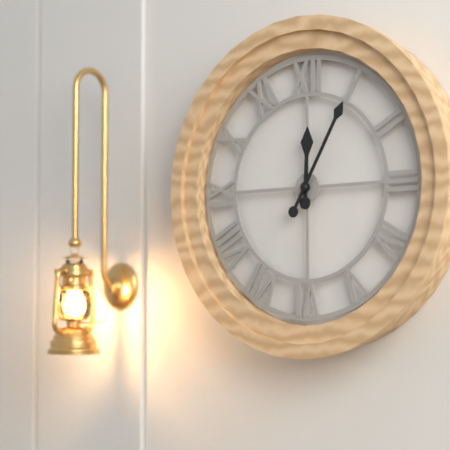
**12:05**
